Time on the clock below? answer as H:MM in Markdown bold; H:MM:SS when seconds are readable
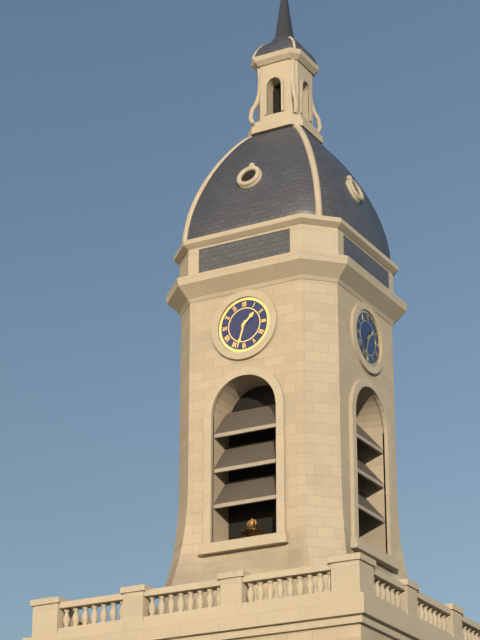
**1:33**
